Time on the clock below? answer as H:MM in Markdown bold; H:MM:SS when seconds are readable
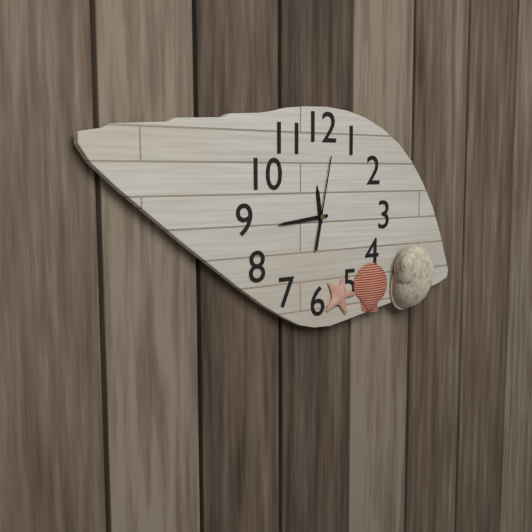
**11:44:02**
